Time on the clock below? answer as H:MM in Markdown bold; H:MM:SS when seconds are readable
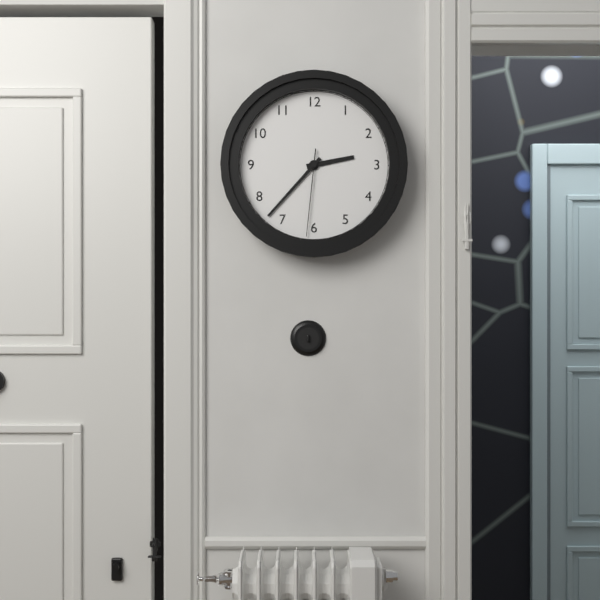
**2:37:31**
